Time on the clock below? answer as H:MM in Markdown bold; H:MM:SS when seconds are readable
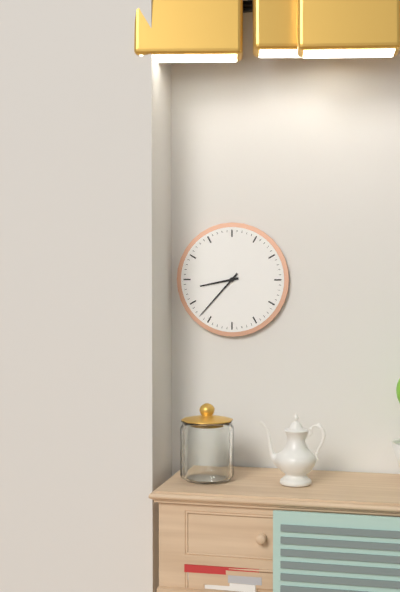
**8:37**
